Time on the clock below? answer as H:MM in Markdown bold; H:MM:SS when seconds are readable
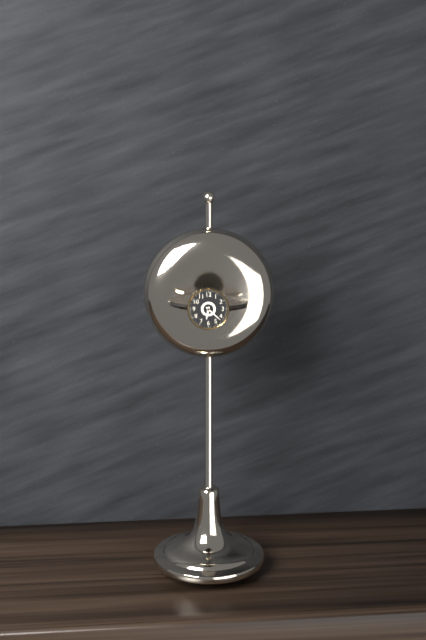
**6:22**
